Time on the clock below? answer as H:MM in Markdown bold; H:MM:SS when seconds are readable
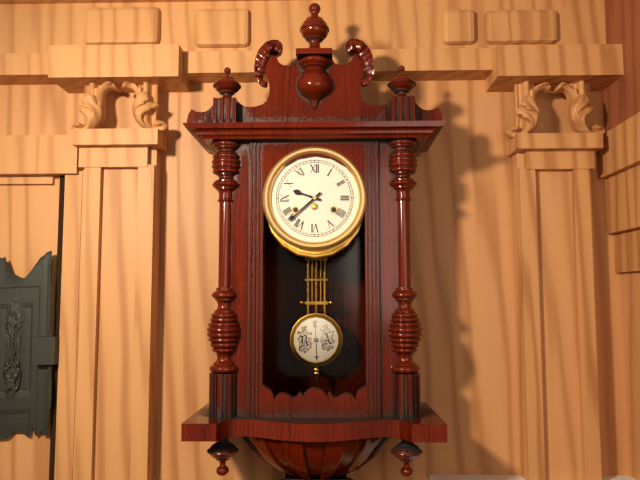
**9:38**
